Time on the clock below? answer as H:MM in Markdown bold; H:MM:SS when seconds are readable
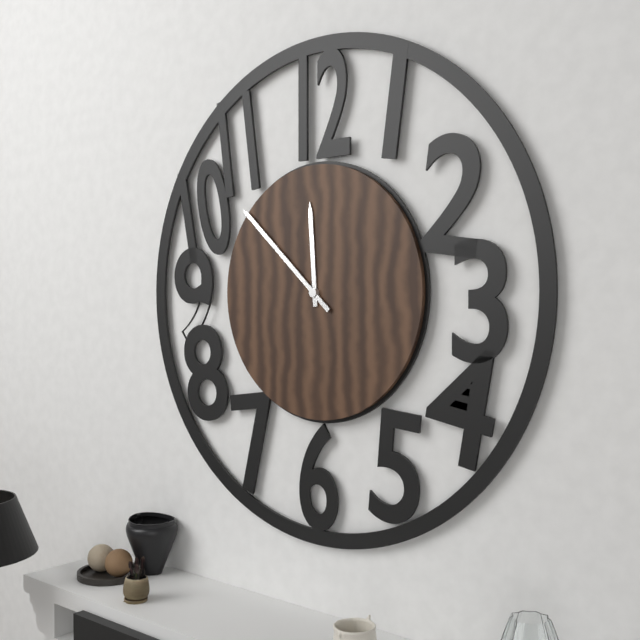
**11:52**
